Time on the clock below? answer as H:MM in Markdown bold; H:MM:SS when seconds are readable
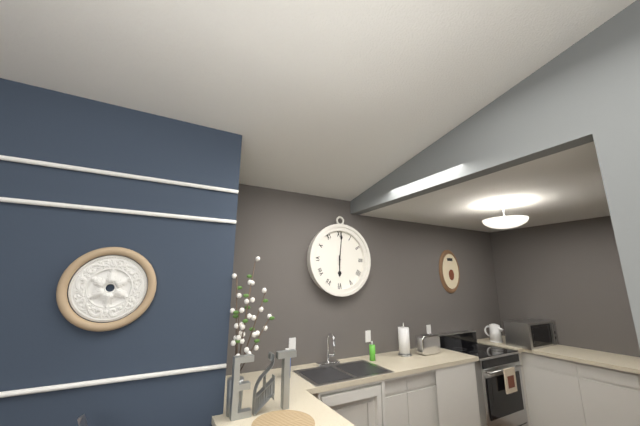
**6:01**
